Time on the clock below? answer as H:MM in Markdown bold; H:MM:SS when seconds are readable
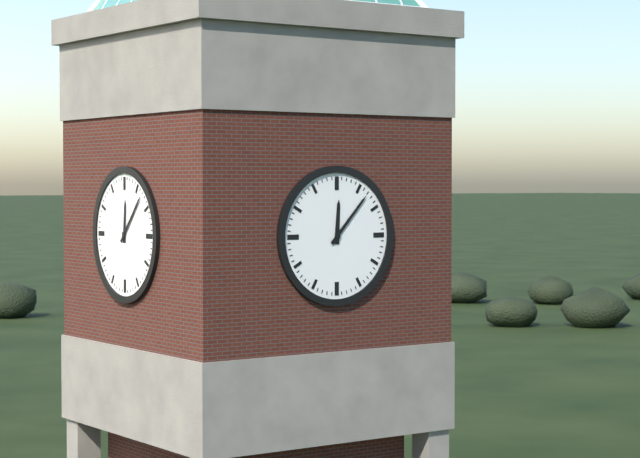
**12:07**
